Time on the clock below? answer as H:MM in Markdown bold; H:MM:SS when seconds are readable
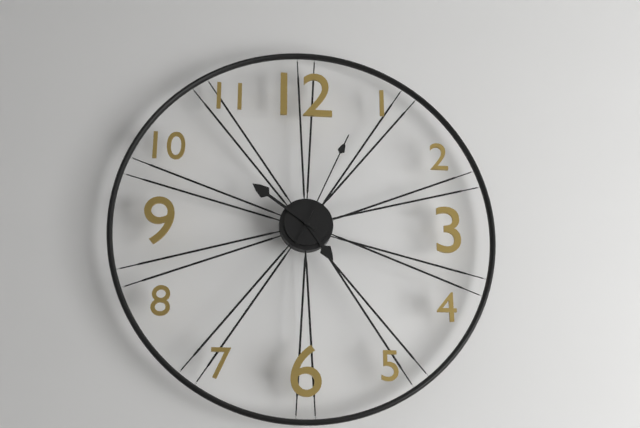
**4:51:04**
